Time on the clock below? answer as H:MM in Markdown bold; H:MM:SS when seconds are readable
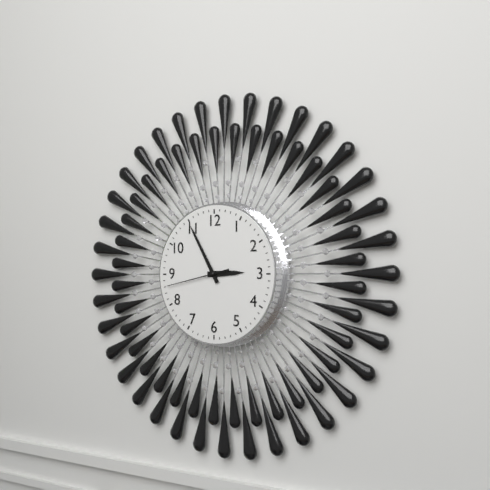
**2:55:43**
